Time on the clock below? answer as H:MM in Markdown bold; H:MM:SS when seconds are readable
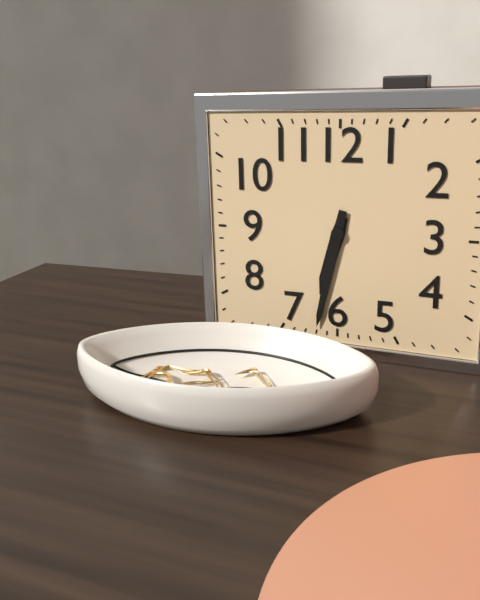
**6:32**
